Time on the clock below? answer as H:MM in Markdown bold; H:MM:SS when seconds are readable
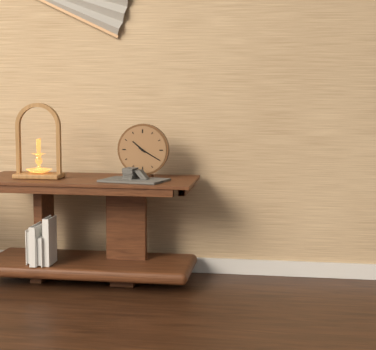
**10:20**
